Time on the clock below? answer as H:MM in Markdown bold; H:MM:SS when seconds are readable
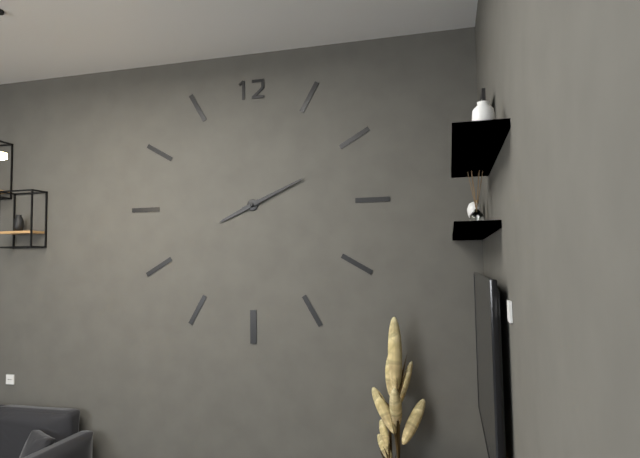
**8:11**
